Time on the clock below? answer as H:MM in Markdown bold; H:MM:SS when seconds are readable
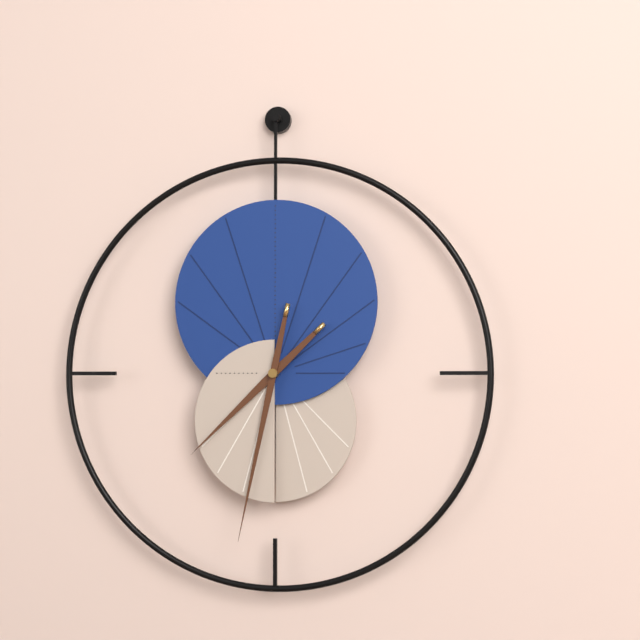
**7:32**
